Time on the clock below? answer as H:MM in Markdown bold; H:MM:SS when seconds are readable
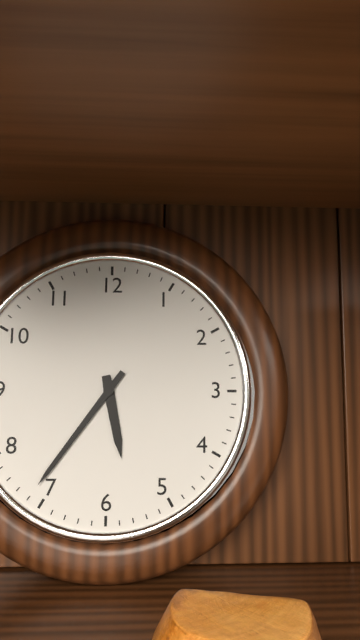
**5:36**
